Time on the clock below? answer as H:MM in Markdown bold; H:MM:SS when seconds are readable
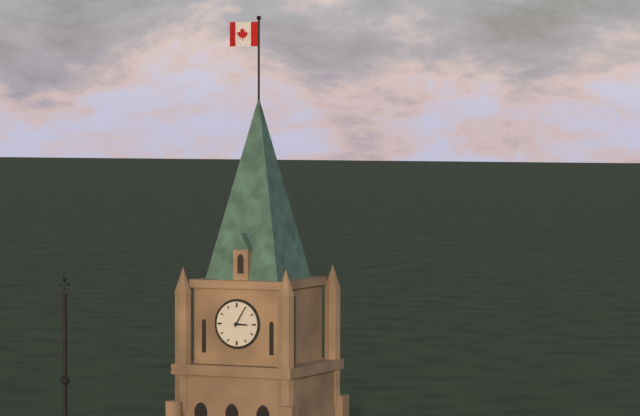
**3:05**
